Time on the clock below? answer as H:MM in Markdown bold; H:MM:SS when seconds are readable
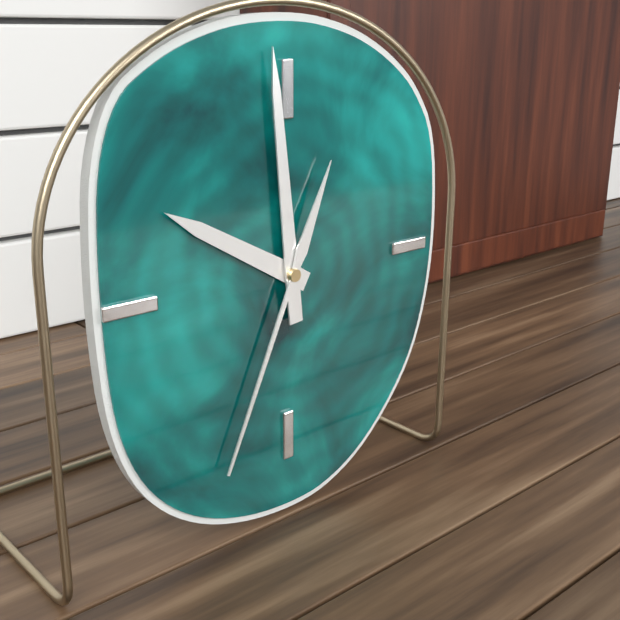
**9:59:34**
